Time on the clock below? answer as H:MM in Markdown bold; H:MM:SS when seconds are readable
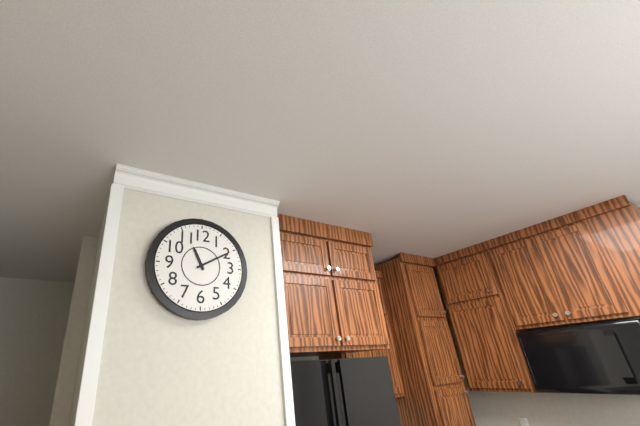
**11:10**
